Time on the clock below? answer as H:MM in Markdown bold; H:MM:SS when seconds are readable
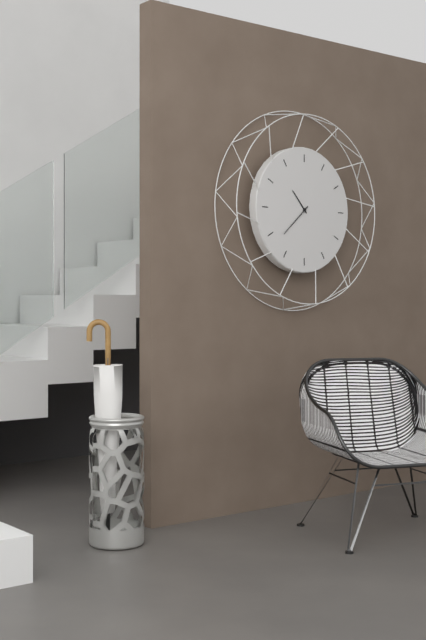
**10:38**
